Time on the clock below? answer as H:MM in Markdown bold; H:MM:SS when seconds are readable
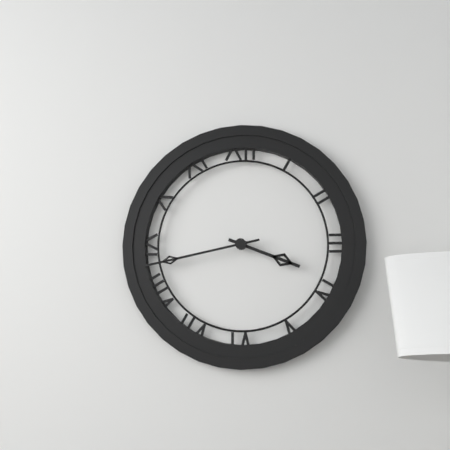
**3:43**
